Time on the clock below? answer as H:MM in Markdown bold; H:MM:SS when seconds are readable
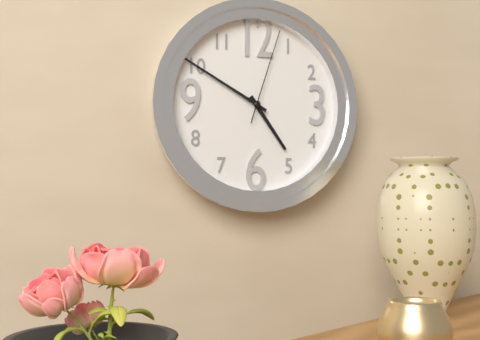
**4:50:03**
